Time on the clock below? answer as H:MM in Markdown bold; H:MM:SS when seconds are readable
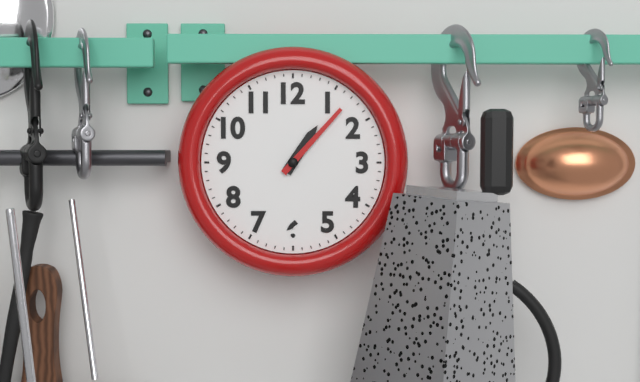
**1:07**
